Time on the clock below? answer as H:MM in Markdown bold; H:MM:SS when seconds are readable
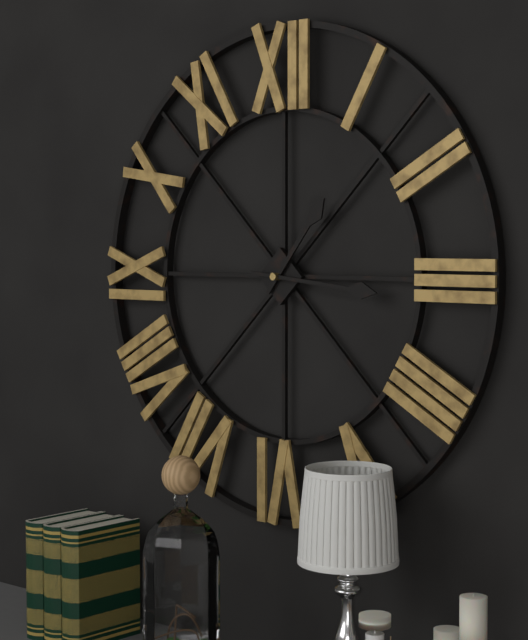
**1:16**
